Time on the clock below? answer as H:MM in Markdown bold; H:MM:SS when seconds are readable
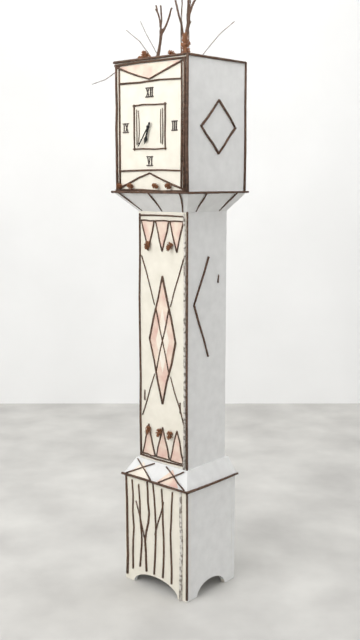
**6:36**
